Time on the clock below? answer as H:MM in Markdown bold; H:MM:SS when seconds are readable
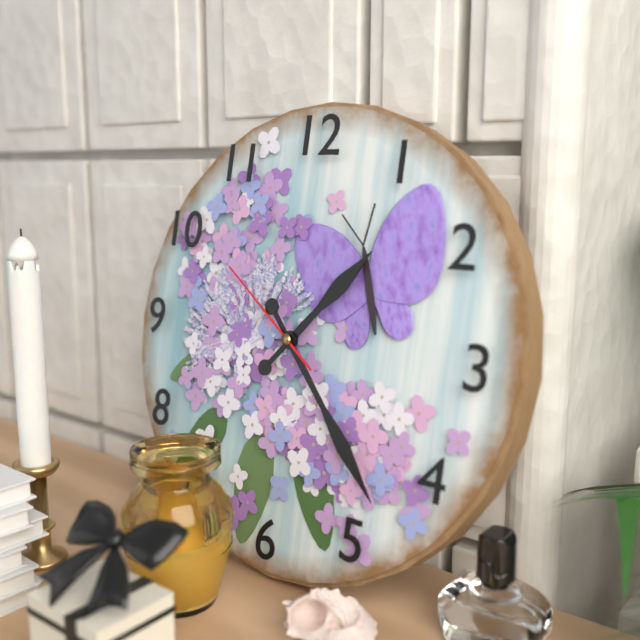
**1:23:51**
